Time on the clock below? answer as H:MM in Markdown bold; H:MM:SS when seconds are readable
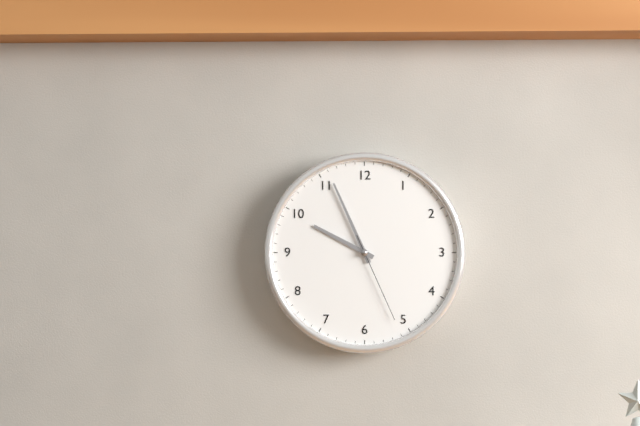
**9:56:26**
